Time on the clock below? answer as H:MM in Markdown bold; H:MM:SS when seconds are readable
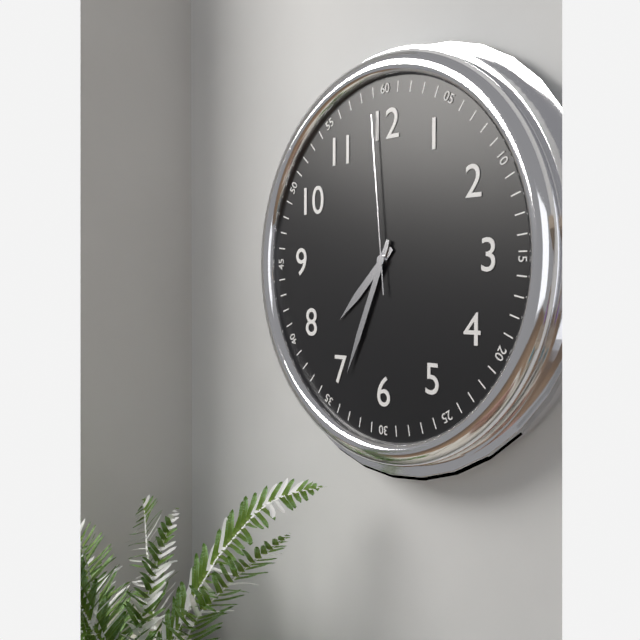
**7:34:59**
